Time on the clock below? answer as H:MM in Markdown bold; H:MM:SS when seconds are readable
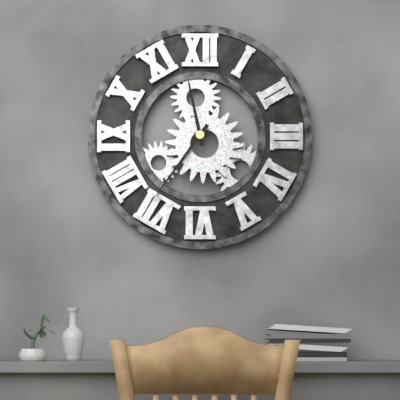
**11:36**
